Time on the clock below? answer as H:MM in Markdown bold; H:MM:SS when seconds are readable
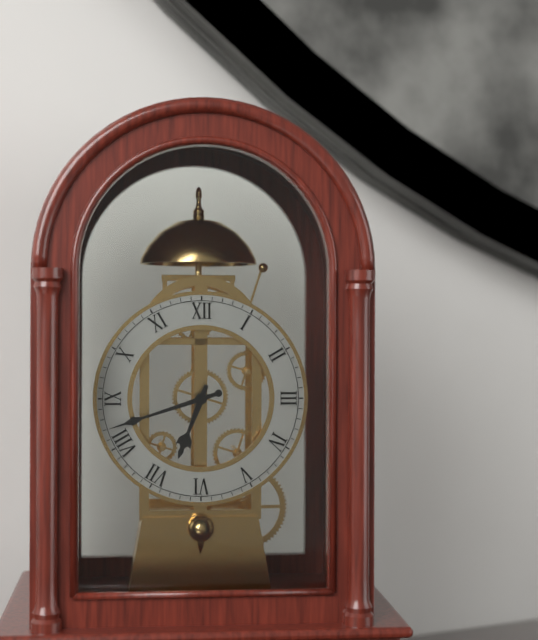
**6:42**
